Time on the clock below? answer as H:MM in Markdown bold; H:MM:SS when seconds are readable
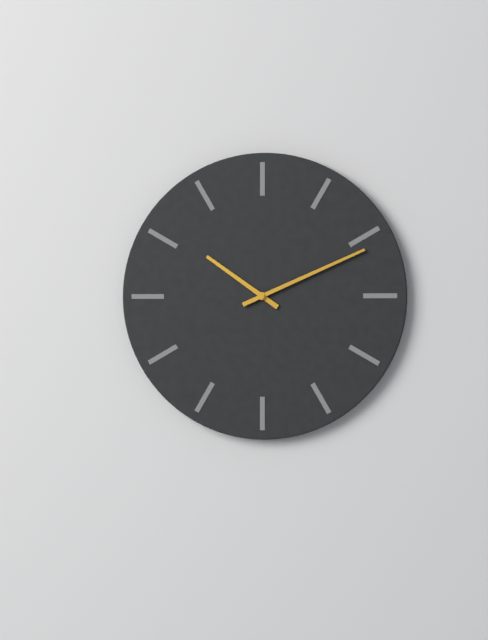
**10:11**
